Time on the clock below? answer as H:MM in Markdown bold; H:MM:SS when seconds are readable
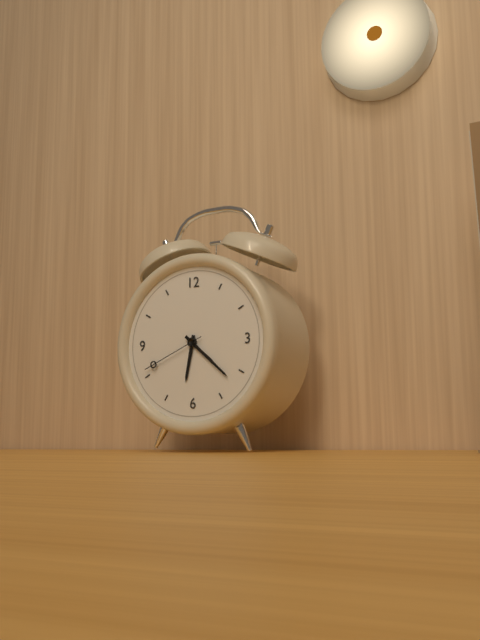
**6:22:41**
